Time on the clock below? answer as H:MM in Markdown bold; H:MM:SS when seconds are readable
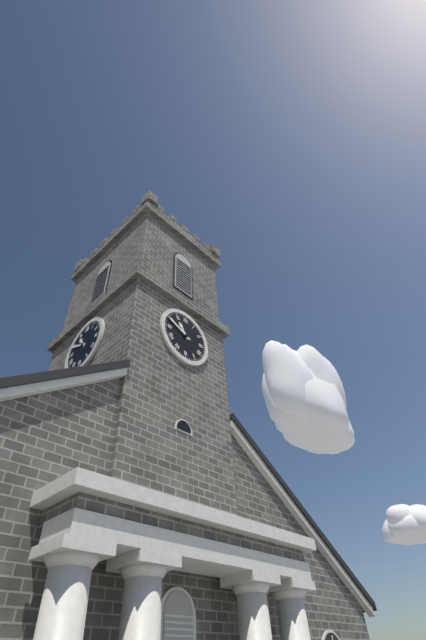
**10:49**
